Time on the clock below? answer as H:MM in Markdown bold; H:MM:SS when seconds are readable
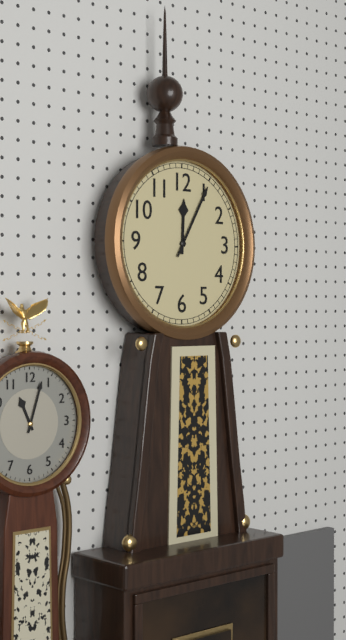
**12:05**
